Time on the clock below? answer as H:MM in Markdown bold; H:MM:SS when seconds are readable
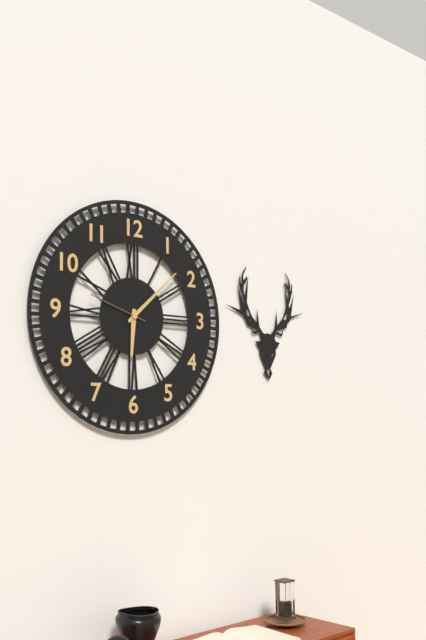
**6:08:48**
